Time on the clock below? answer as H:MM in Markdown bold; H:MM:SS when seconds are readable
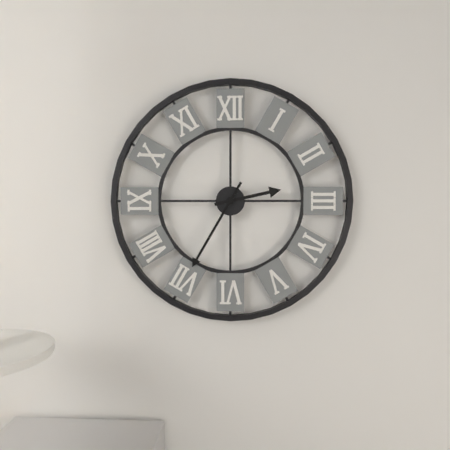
**2:35**
